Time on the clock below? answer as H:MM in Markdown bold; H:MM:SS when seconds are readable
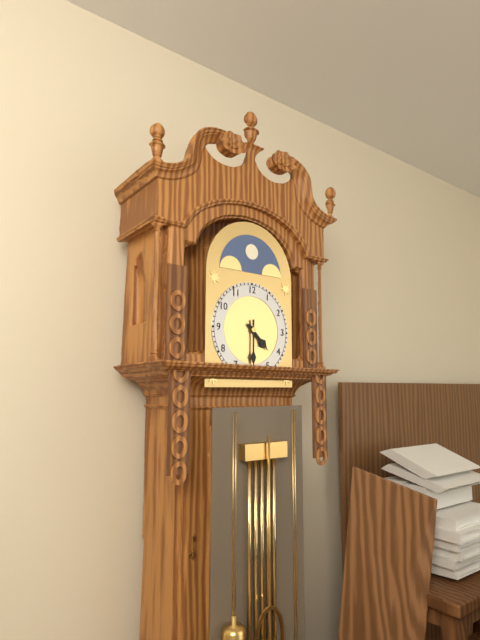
**4:30**
